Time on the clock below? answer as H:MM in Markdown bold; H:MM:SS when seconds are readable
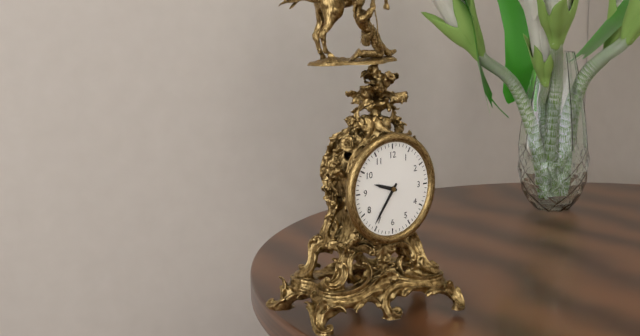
**9:36**
